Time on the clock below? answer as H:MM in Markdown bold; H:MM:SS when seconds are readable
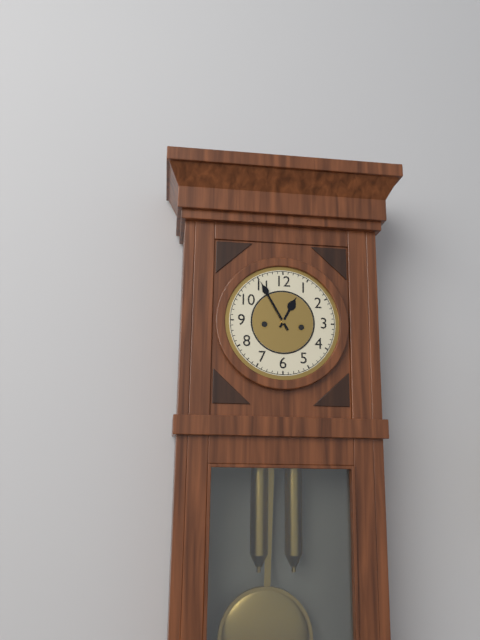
**12:55**
